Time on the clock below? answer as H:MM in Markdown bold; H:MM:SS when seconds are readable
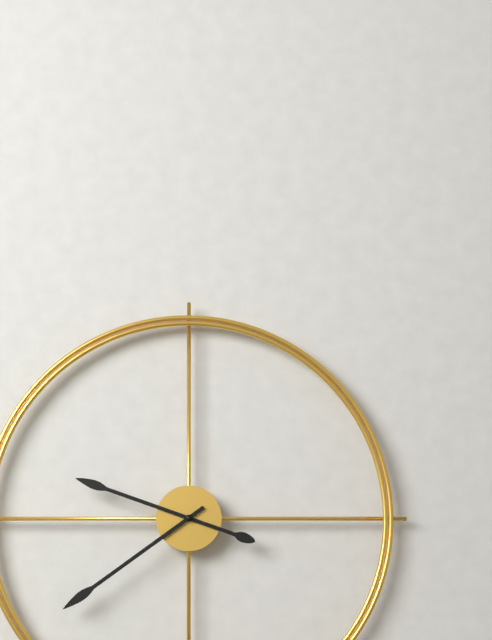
**9:39**
